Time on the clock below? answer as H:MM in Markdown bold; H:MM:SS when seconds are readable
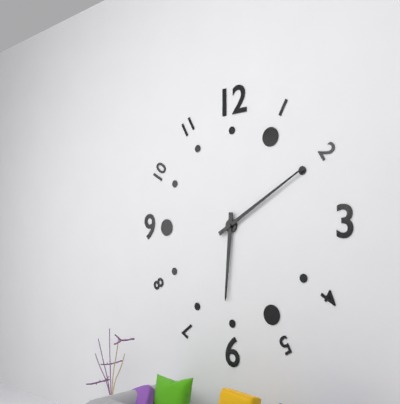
**6:10**
